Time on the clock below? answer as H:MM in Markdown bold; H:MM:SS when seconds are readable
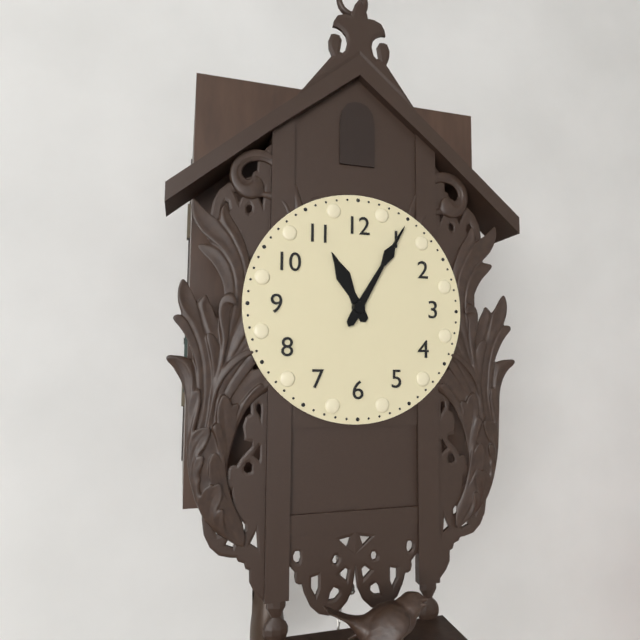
**11:05**
